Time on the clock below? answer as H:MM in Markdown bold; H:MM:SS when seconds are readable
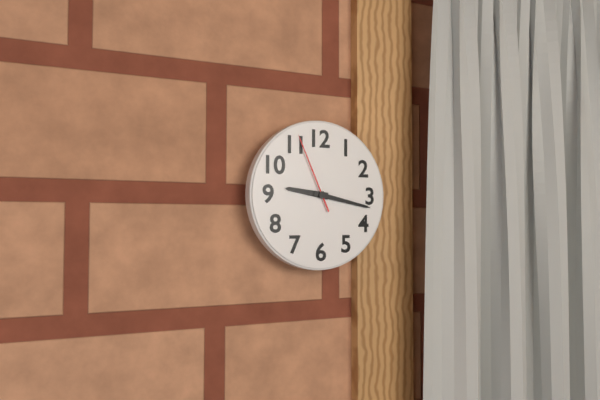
**9:17:56**
